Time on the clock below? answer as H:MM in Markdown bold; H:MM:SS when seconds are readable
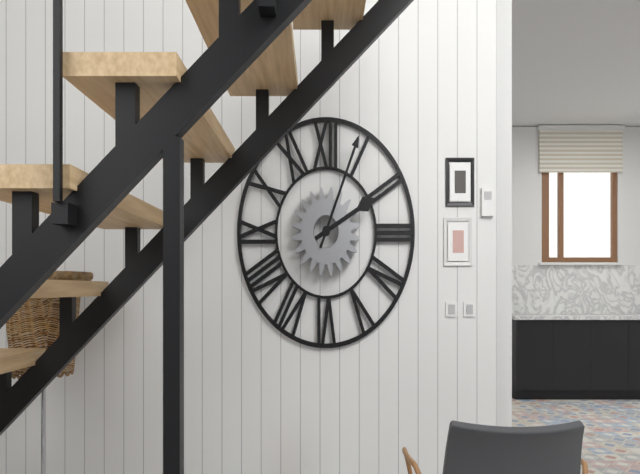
**2:04**
